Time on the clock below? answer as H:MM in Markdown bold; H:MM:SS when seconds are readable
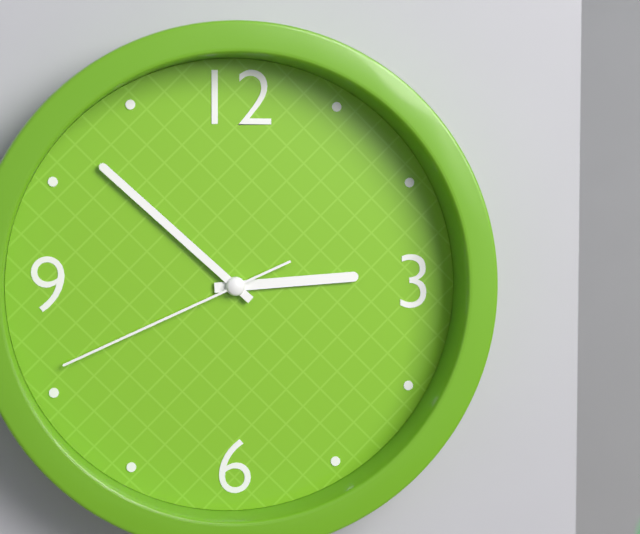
**2:52:41**
